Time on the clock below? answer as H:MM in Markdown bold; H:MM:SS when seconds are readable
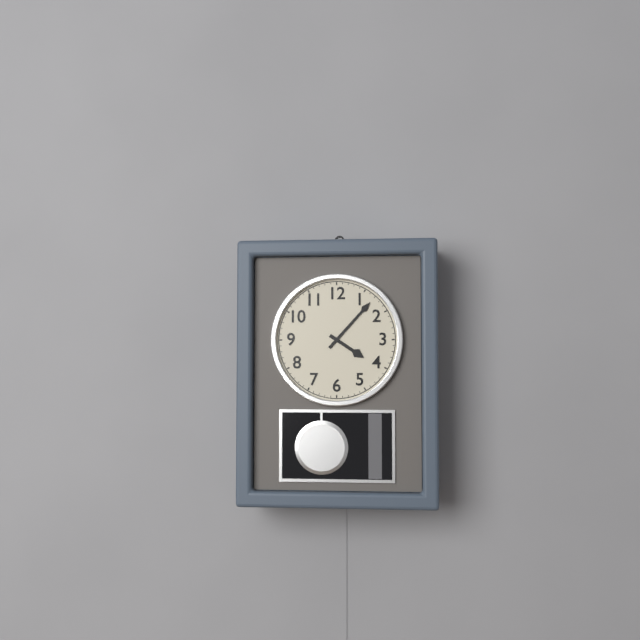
**4:07**
